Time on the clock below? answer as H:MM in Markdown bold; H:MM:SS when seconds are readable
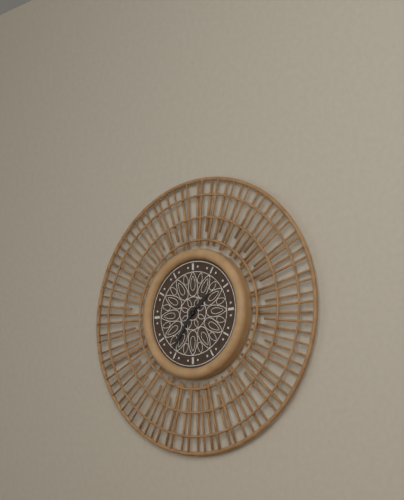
**1:36**
